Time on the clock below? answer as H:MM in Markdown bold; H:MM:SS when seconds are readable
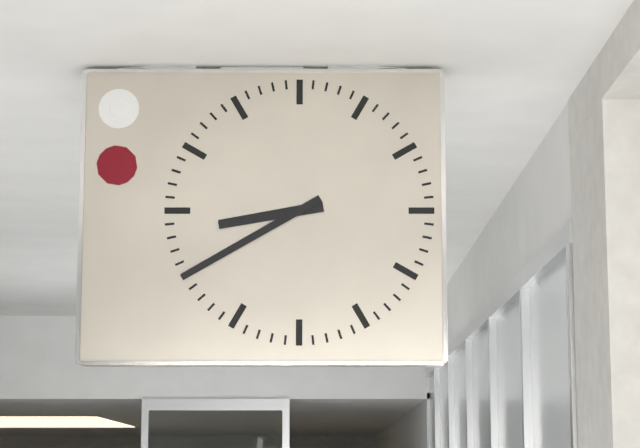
**8:40**
